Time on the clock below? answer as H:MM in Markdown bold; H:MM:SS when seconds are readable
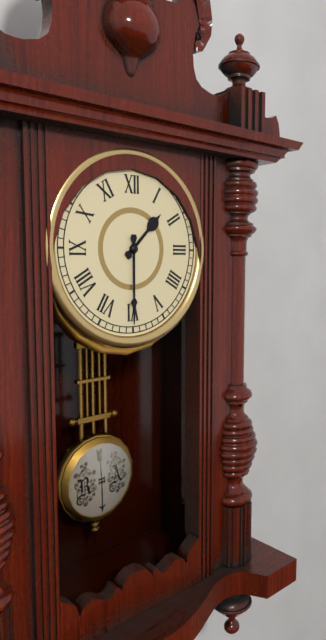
**1:30**
